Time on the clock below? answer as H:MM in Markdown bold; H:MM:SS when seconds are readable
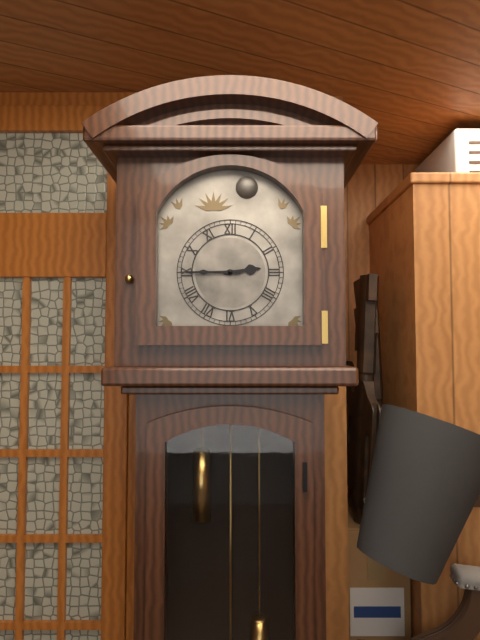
**2:45**
